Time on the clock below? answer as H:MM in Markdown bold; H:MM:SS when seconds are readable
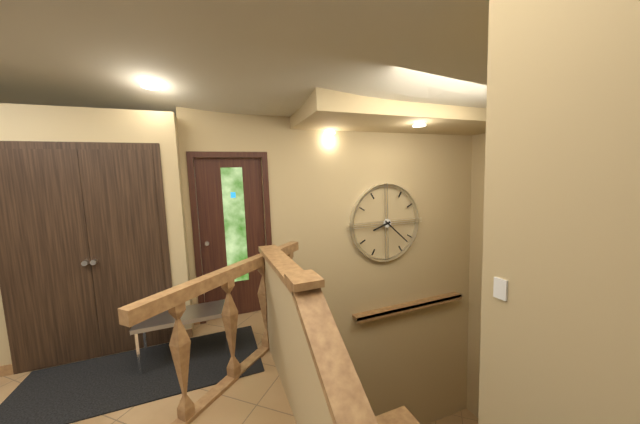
**8:22**
